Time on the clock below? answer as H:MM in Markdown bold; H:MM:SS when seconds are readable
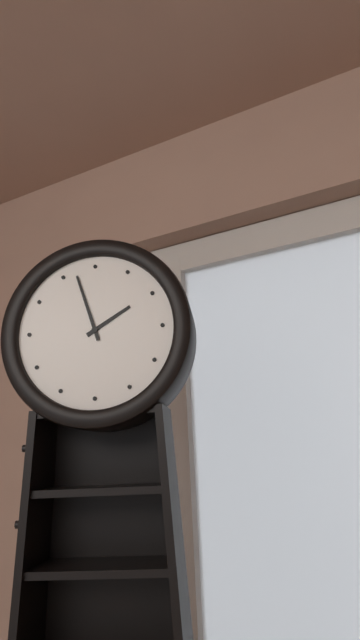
**1:57**
